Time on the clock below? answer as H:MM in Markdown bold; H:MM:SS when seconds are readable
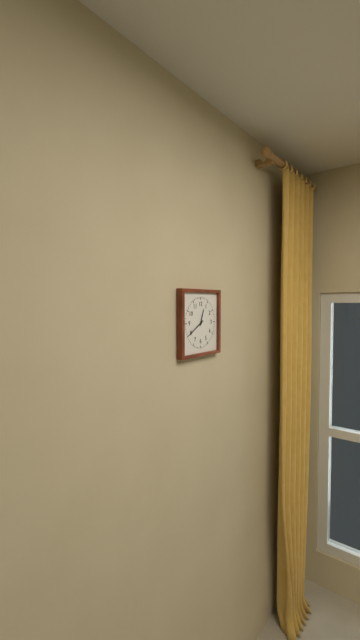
**12:40**
